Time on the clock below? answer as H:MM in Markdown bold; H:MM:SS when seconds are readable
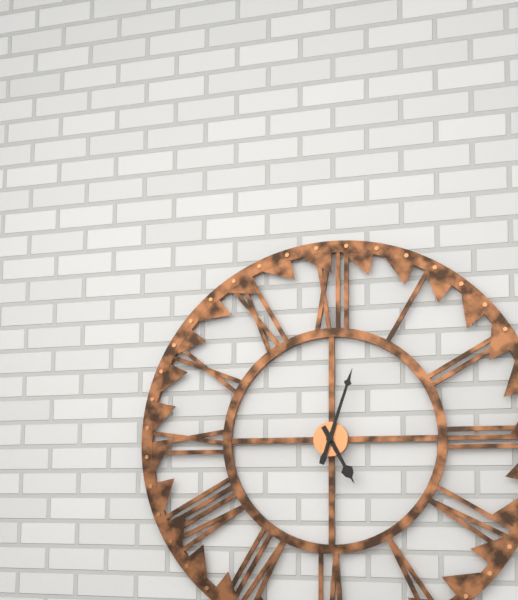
**5:03**
